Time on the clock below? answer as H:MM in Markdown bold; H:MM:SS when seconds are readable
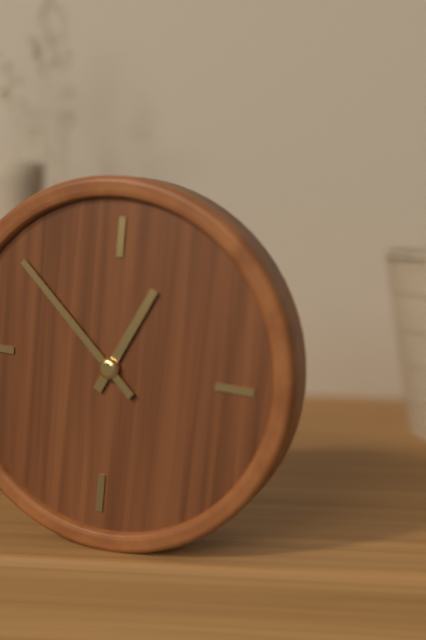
**12:52**
